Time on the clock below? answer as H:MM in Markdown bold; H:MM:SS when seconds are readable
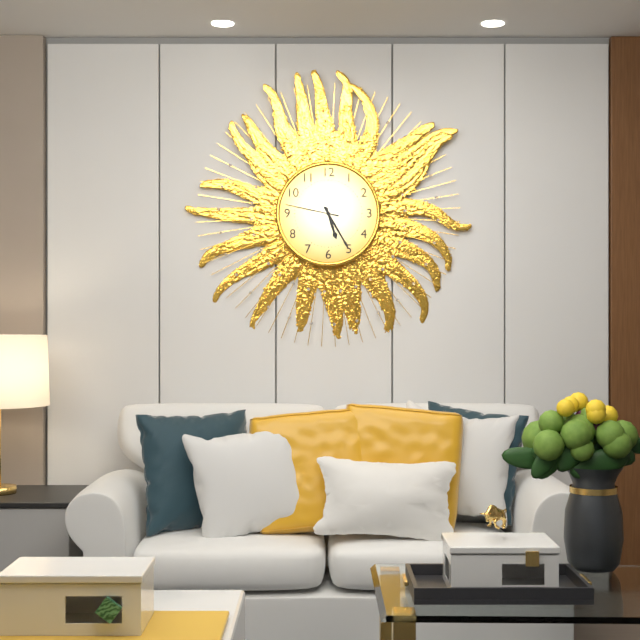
**5:25:47**
